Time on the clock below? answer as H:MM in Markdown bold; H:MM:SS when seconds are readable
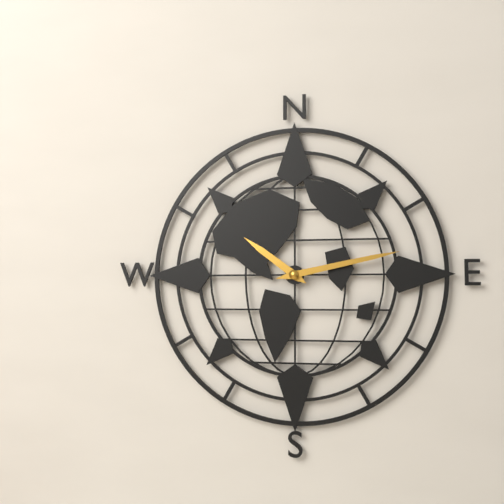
**10:13**
